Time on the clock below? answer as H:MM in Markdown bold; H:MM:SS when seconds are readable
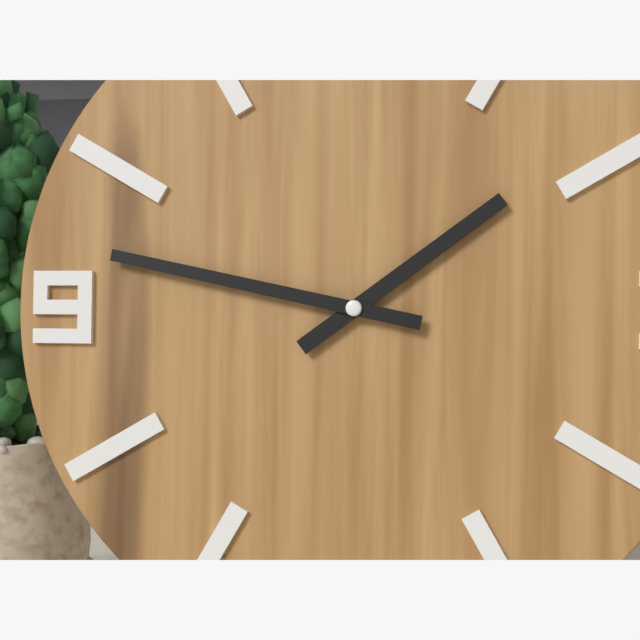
**1:47**
